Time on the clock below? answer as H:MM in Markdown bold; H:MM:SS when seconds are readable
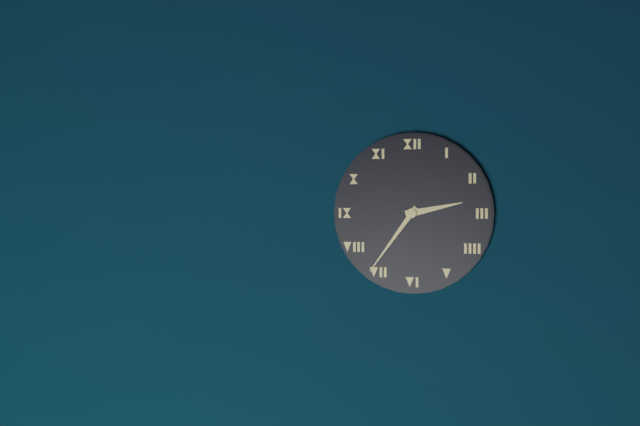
**2:36**
